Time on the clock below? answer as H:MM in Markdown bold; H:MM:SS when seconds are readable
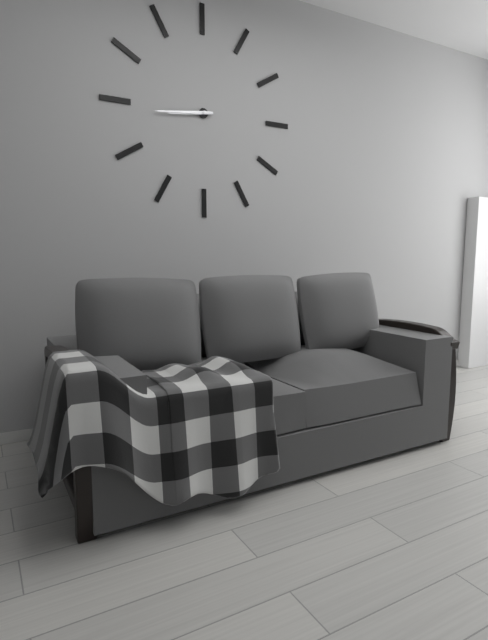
**8:44**
